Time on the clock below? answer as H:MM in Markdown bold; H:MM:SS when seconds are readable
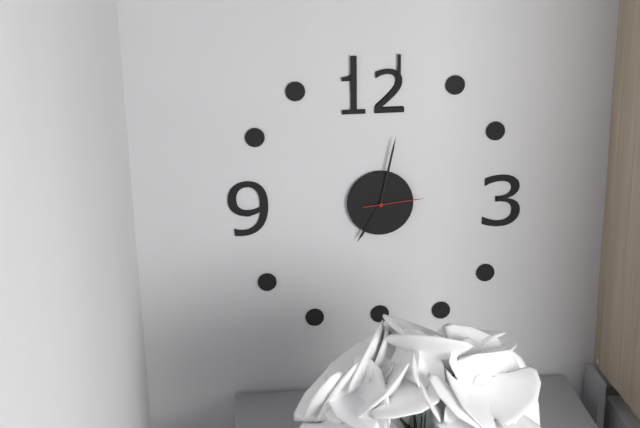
**7:02:14**
